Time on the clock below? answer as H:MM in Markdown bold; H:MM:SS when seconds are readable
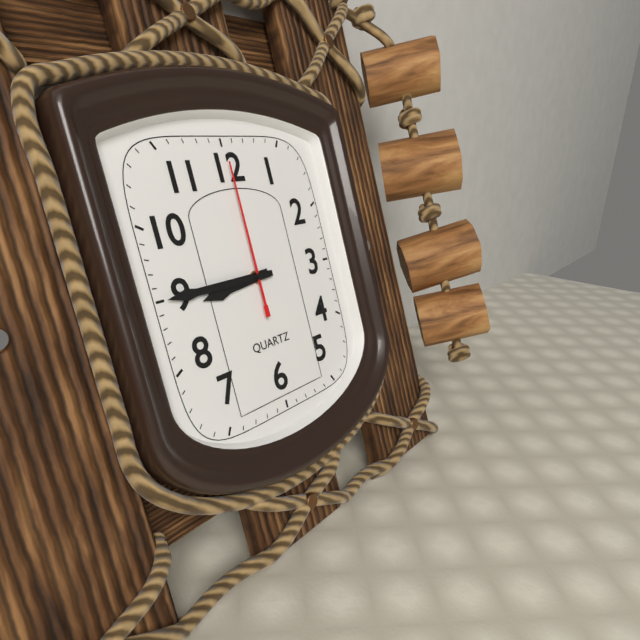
**8:45:00**
